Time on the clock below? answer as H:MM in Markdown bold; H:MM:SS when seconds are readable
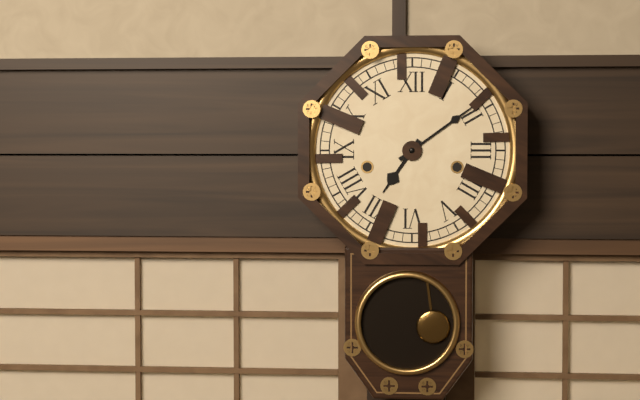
**7:09**
